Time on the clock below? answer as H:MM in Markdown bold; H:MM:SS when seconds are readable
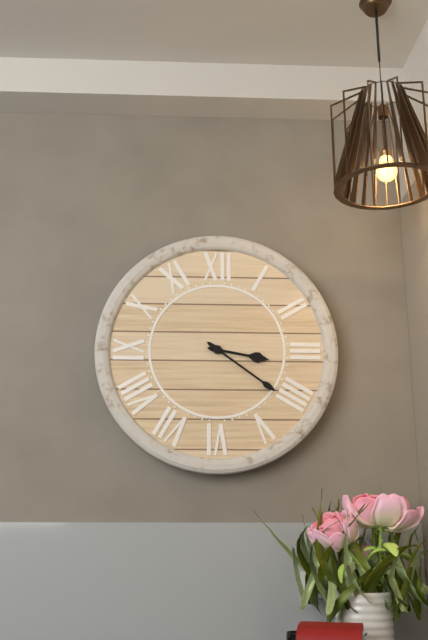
**3:21**
